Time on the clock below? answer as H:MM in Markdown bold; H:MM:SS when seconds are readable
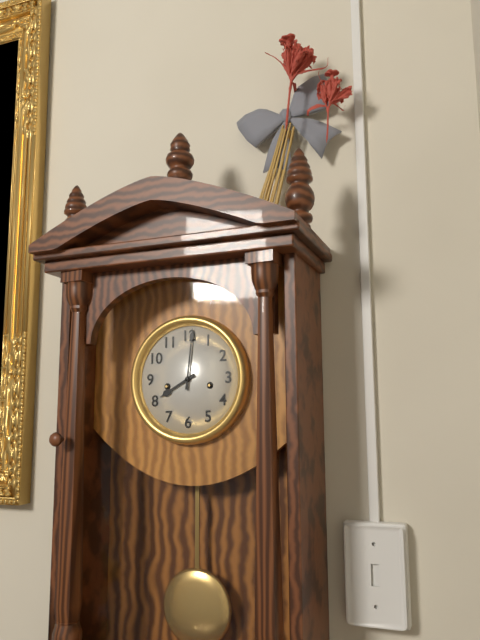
**8:01**
